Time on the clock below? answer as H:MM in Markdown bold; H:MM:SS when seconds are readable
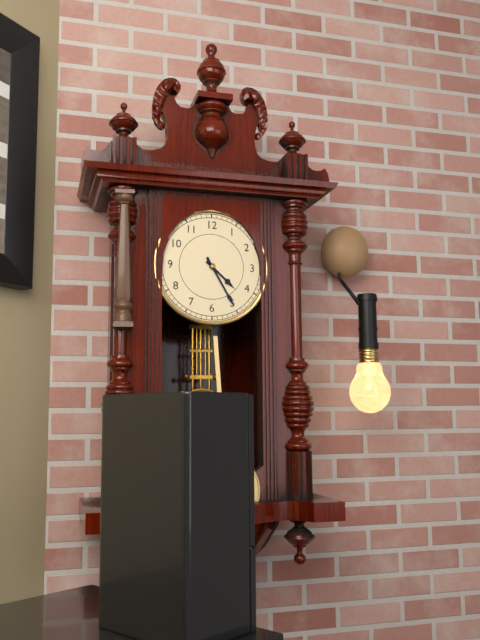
**4:25**
